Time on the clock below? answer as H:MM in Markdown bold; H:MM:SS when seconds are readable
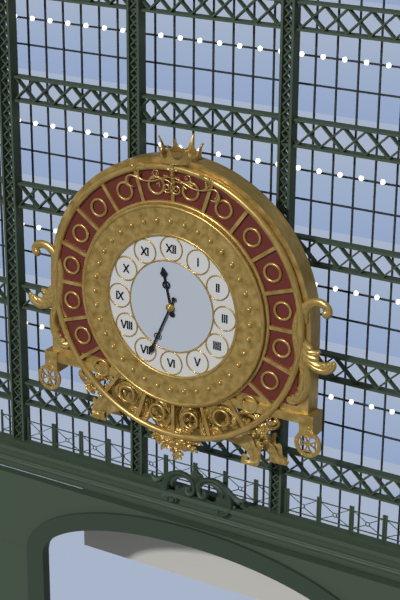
**11:34**
